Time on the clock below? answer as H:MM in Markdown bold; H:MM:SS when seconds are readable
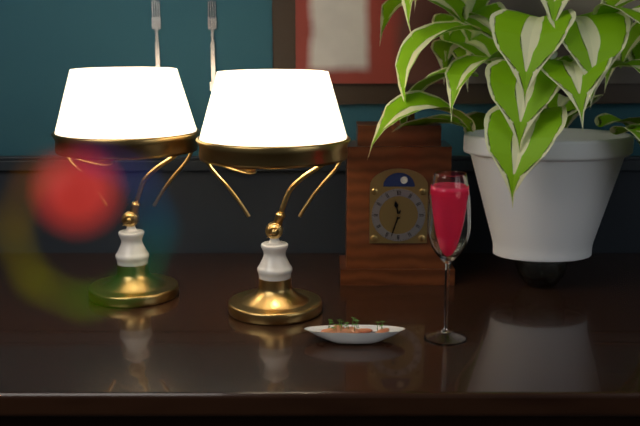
**11:33**
